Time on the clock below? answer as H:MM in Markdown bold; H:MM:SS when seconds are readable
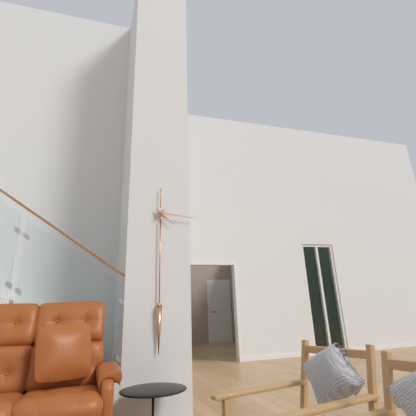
**4:16**
